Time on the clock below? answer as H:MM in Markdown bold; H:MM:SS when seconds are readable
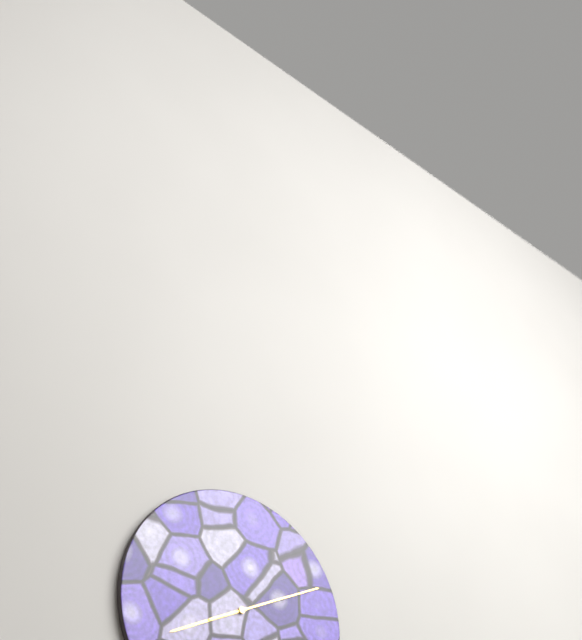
**8:11**
